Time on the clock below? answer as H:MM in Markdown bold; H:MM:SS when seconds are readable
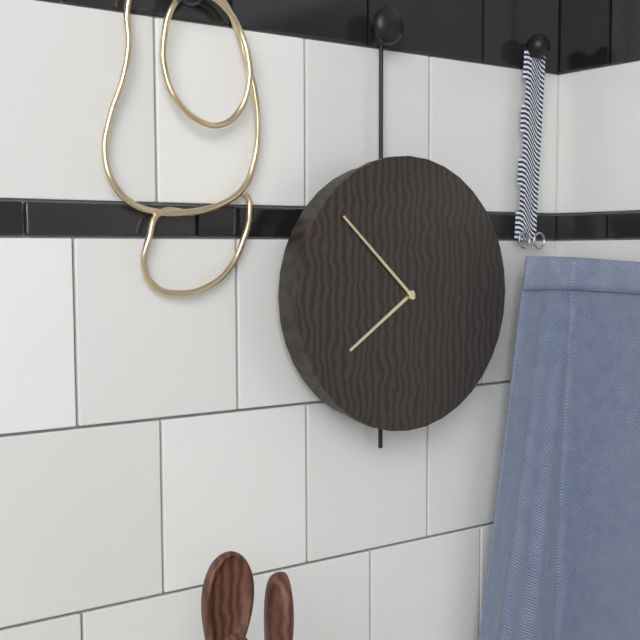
**7:52**
